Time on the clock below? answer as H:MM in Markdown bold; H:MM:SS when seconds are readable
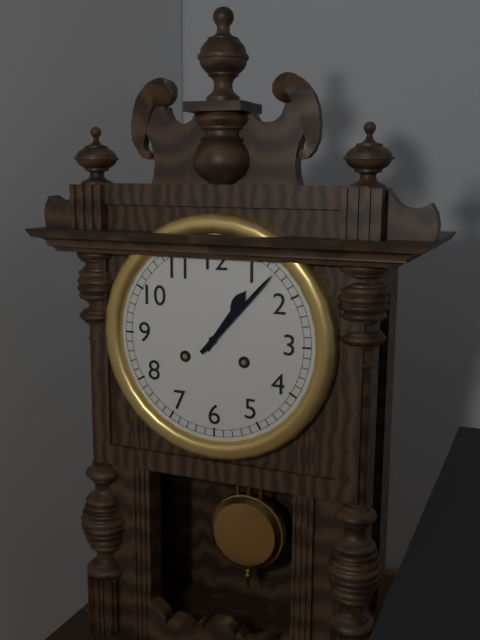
**1:07**
